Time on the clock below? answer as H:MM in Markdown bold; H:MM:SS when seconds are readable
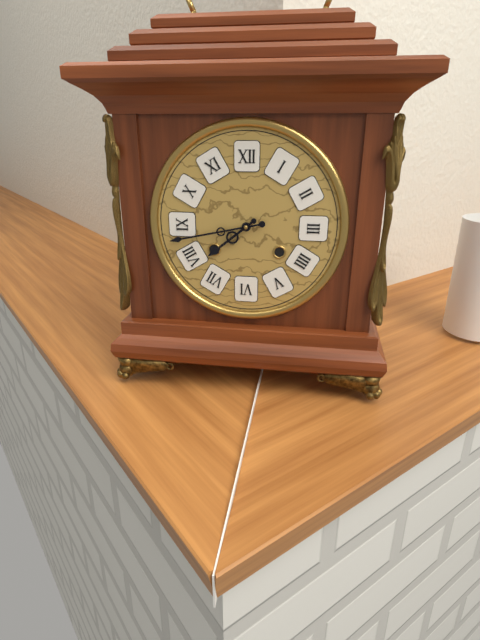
**7:43**
